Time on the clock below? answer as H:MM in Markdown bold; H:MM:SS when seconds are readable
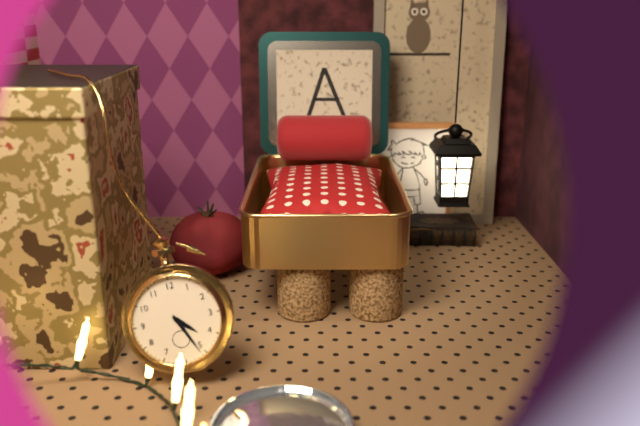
**4:26**
